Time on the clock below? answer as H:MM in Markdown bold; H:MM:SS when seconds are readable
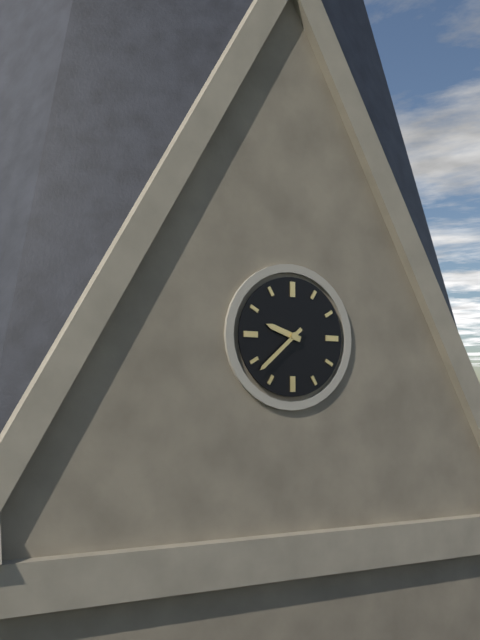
**9:38**
